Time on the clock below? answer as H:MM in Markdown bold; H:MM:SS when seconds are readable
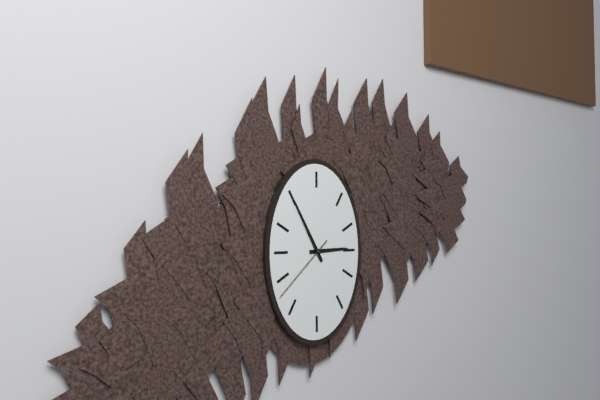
**2:55:38**
